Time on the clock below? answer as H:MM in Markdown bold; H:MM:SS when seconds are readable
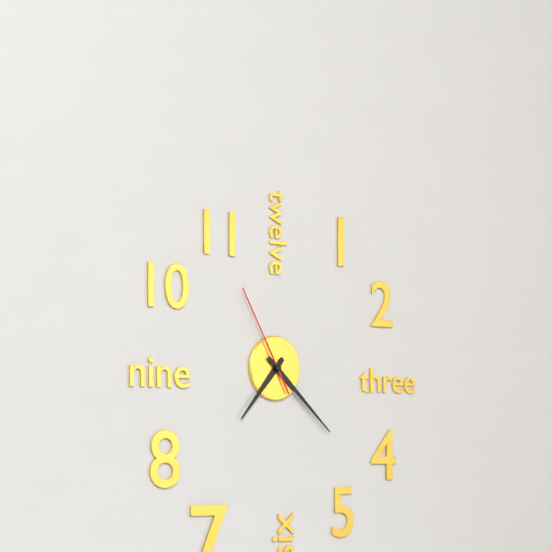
**7:22:55**
